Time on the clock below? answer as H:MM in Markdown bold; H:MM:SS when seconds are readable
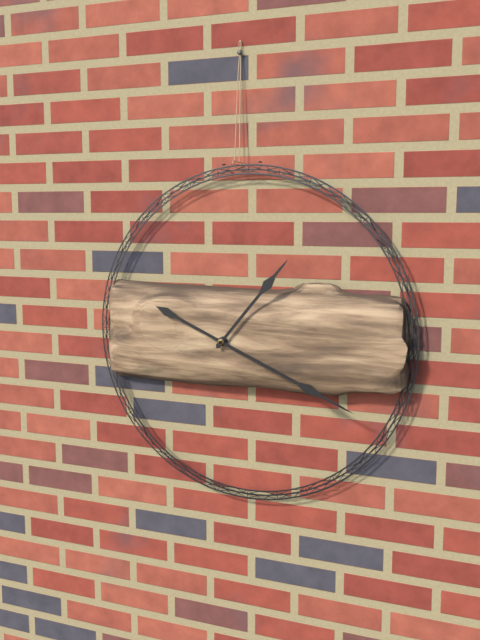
**1:19**
